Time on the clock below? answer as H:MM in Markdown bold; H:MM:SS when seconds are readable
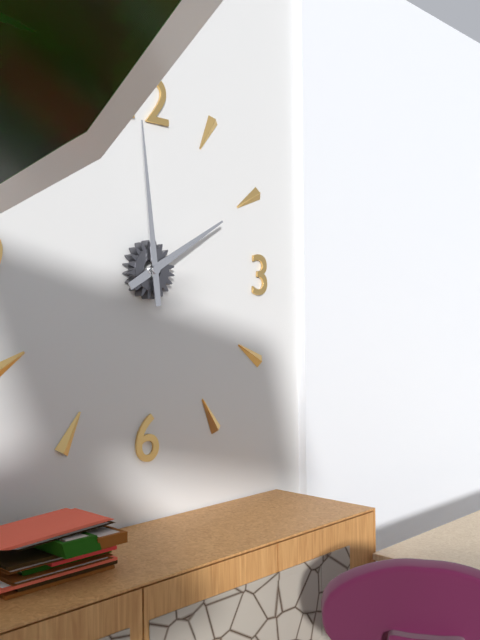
**1:59**
